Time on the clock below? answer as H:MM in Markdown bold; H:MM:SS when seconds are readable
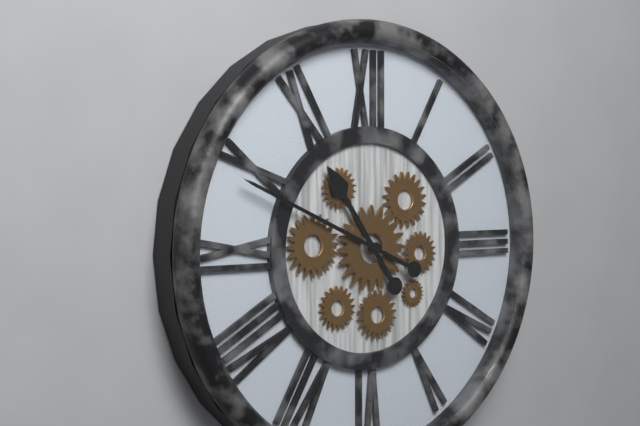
**10:49**
